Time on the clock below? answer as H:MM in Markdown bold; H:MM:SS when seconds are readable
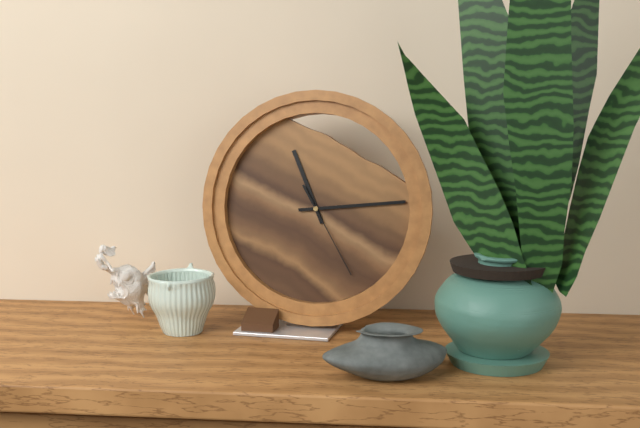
**11:14:25**
